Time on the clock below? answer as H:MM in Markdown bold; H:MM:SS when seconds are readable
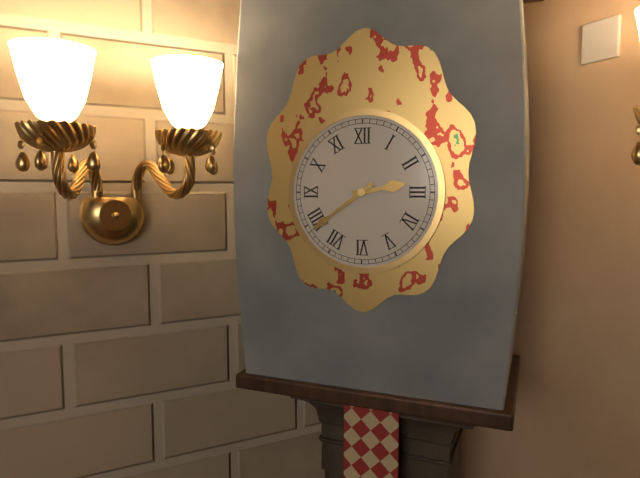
**2:39**
